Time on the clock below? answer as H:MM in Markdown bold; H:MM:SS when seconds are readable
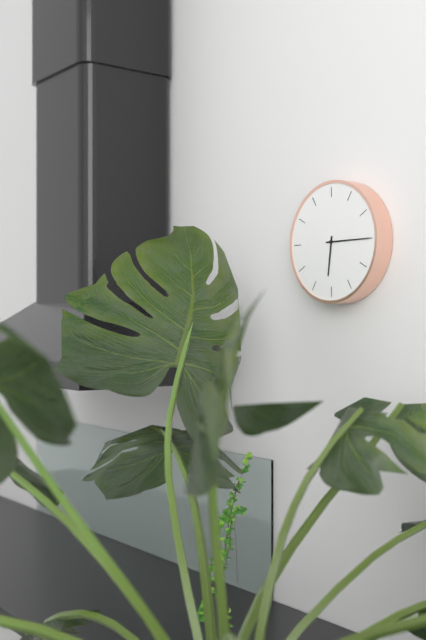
**6:15**
